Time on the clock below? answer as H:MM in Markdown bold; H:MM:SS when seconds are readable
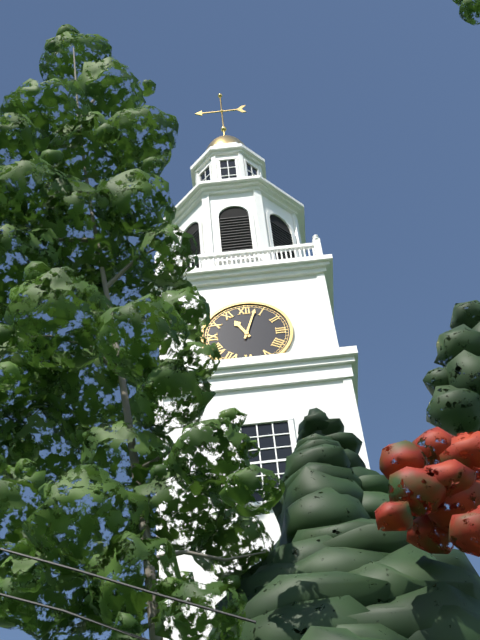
**11:03**
